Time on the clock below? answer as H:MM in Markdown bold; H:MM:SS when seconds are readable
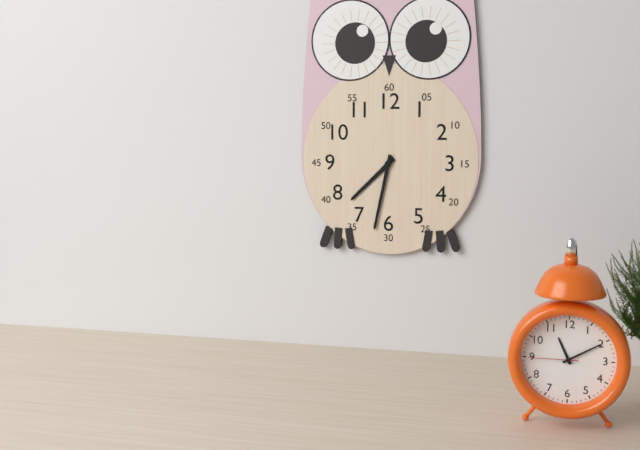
**7:32**
